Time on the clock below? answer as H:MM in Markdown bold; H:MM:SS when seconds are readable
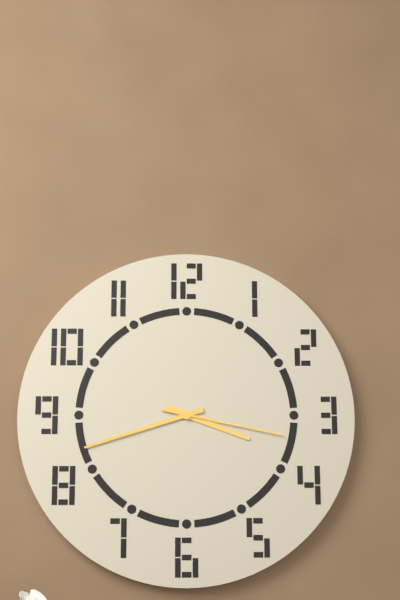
**3:42:17**
